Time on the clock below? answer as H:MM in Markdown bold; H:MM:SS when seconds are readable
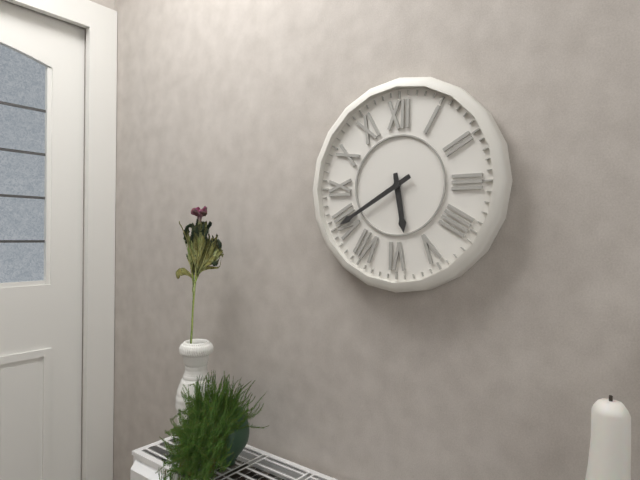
**5:40**
